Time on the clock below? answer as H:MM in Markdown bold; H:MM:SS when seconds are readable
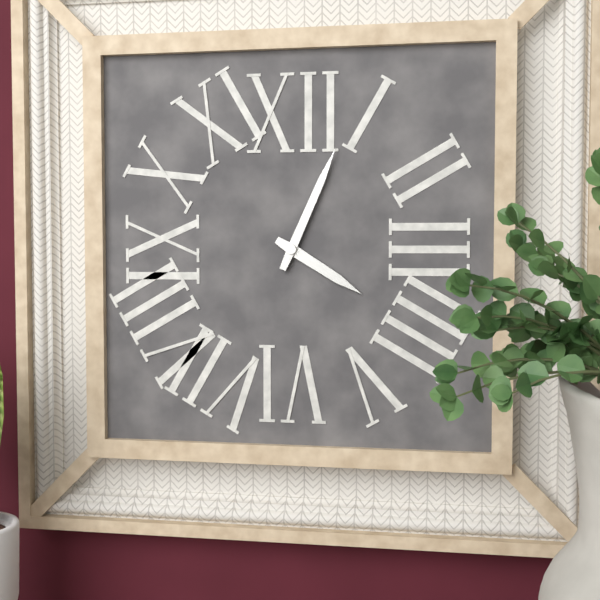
**4:04**
